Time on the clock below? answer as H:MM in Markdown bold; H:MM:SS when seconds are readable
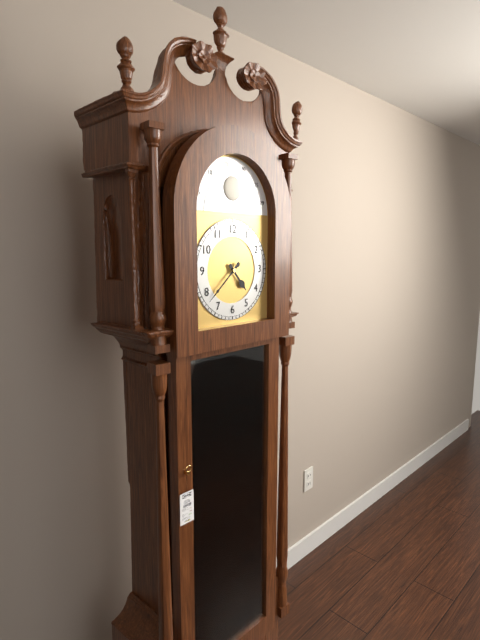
**4:38**
